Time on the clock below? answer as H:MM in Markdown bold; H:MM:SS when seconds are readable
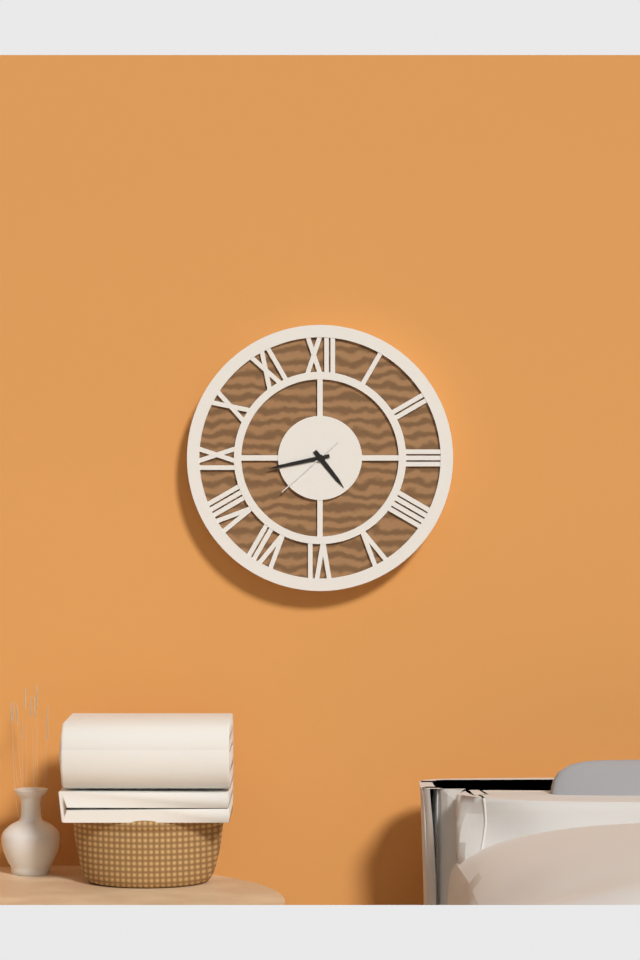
**4:43:38**
